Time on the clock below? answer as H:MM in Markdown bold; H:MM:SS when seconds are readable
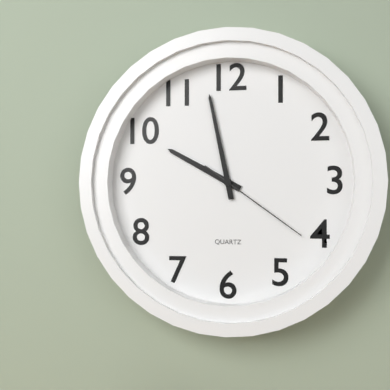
**9:58:21**
